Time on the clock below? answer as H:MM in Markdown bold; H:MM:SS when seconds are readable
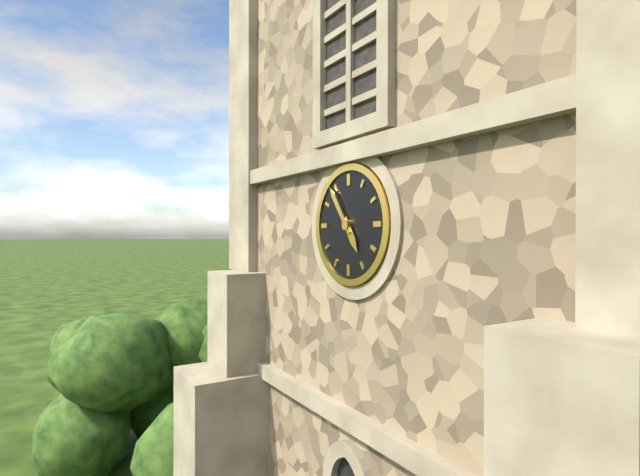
**4:54**
